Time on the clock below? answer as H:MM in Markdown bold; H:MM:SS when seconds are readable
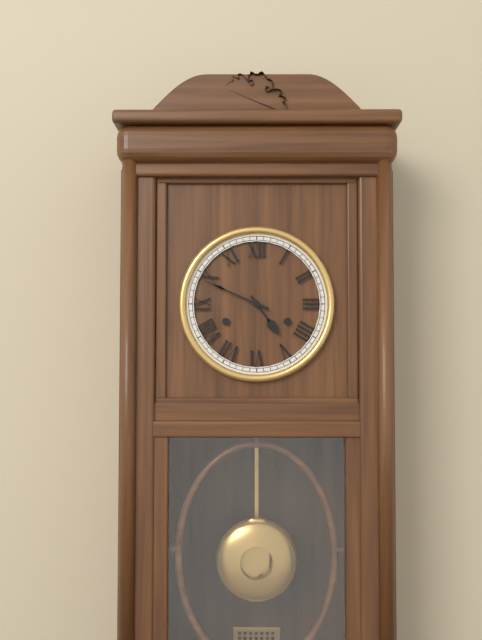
**4:49**
